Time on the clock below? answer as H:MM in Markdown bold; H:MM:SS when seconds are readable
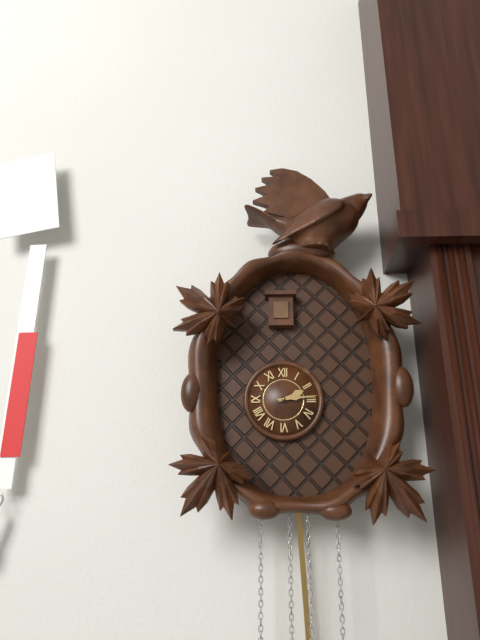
**2:14**
